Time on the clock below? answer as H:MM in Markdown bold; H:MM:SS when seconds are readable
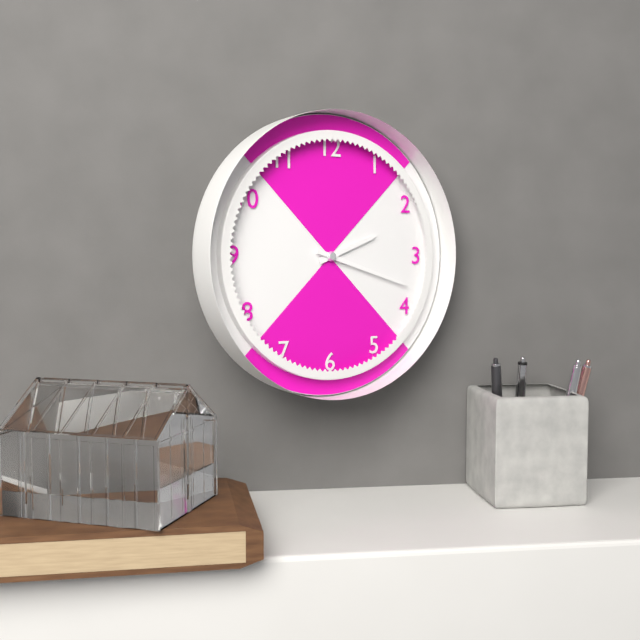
**2:18**
